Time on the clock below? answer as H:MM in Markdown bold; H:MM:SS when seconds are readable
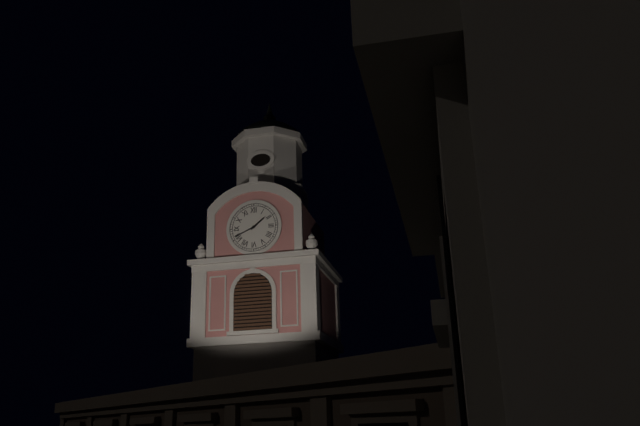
**1:41**
